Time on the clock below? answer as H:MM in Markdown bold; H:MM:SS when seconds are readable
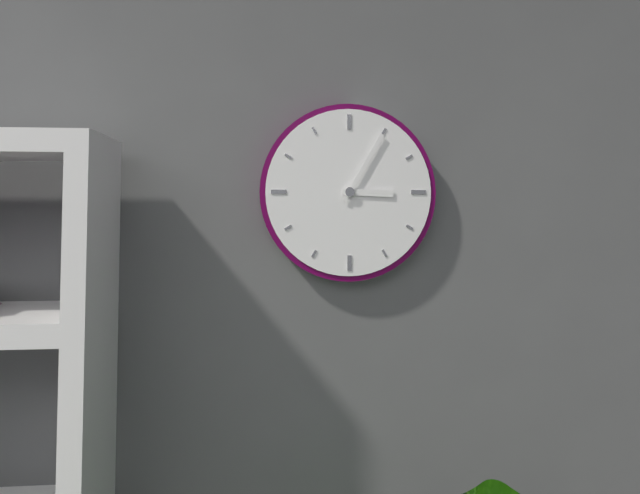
**3:05**
